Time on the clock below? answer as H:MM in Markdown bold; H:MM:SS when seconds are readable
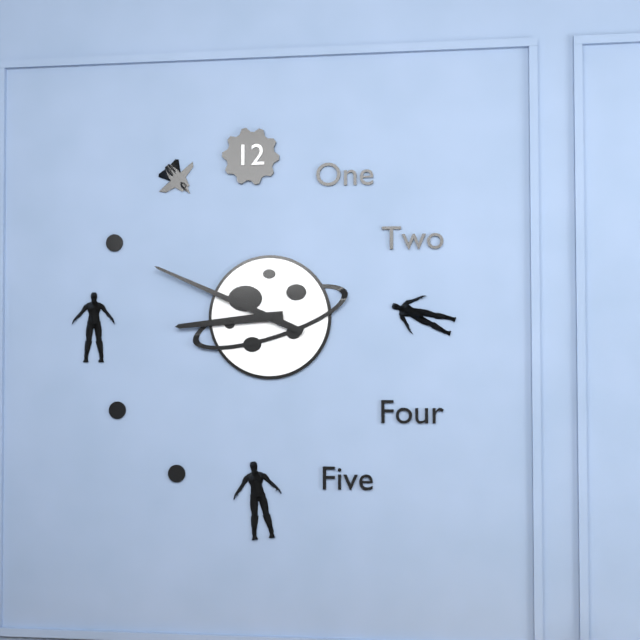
**8:49**
